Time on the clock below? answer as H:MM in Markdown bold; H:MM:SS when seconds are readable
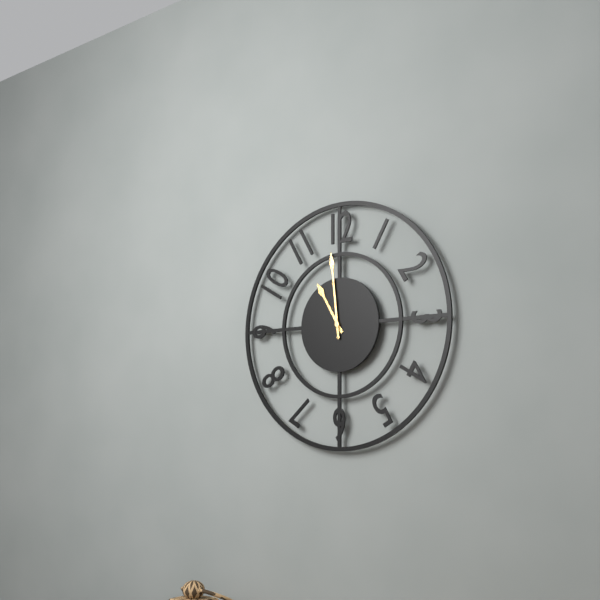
**10:59**
